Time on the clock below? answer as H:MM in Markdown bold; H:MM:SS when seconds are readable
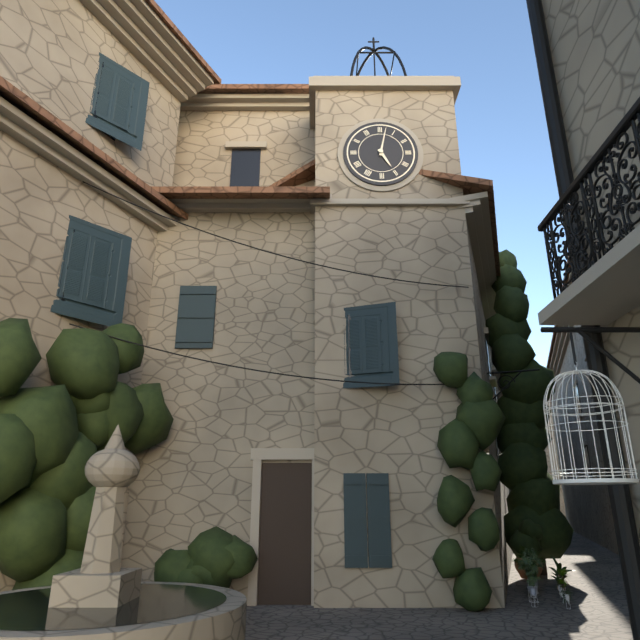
**5:02**
